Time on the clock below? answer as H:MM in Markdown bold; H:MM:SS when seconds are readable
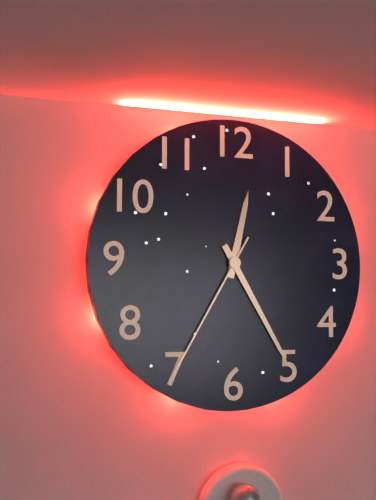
**12:25:35**
